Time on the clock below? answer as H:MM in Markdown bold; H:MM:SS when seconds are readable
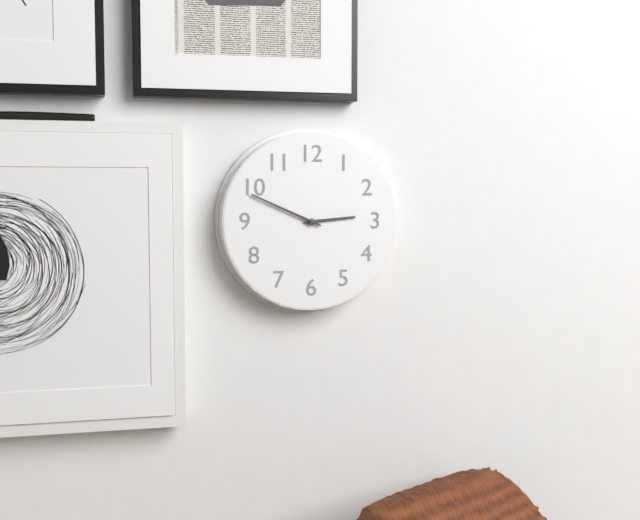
**2:49**
